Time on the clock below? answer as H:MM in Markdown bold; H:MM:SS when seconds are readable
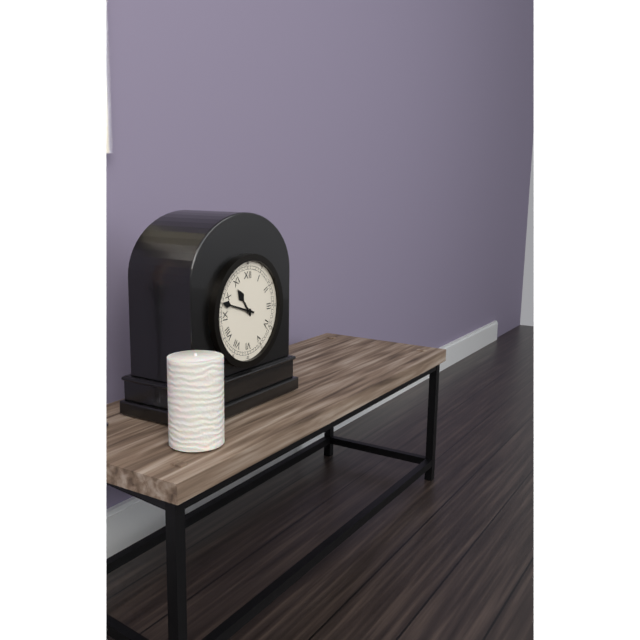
**10:48**
